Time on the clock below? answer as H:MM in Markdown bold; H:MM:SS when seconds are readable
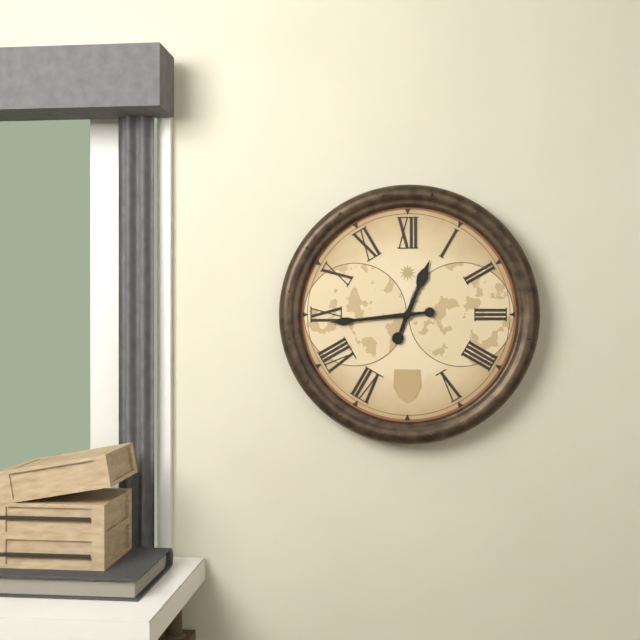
**12:44**
